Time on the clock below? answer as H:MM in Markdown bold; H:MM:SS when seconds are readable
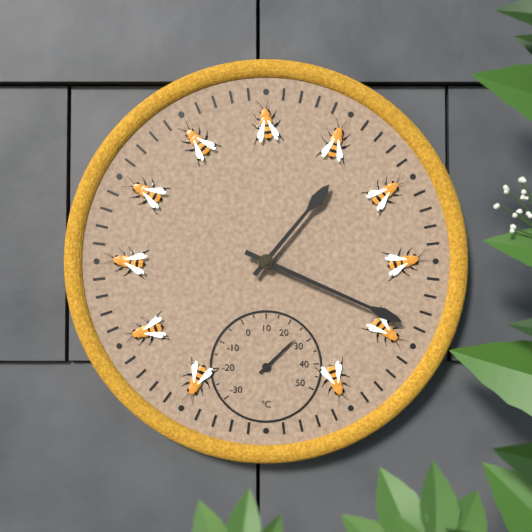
**1:19**
